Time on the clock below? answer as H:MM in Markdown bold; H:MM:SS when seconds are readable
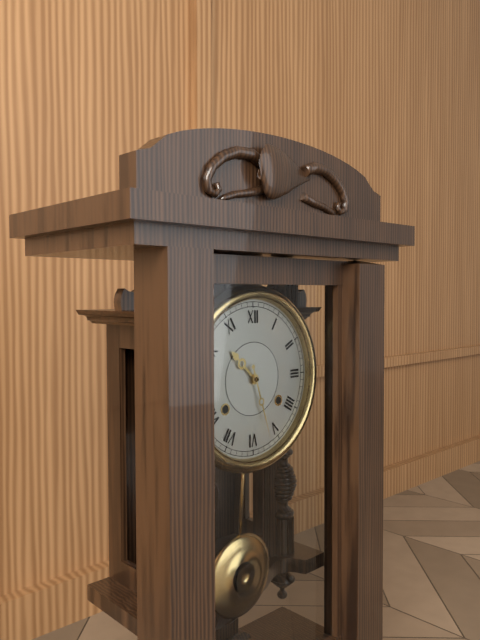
**10:27**
